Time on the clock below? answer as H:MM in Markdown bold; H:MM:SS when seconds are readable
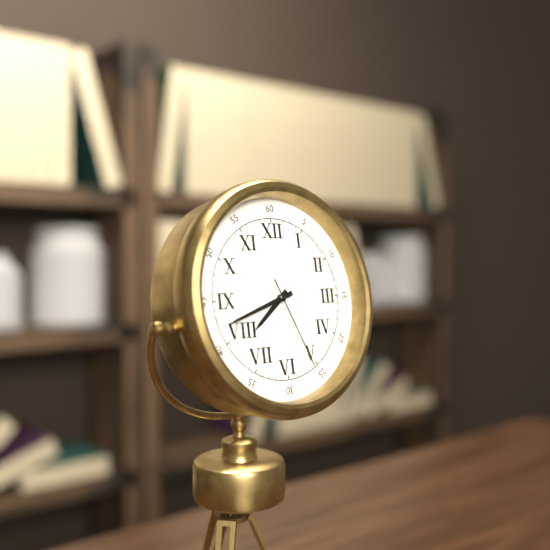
**7:42:26**
